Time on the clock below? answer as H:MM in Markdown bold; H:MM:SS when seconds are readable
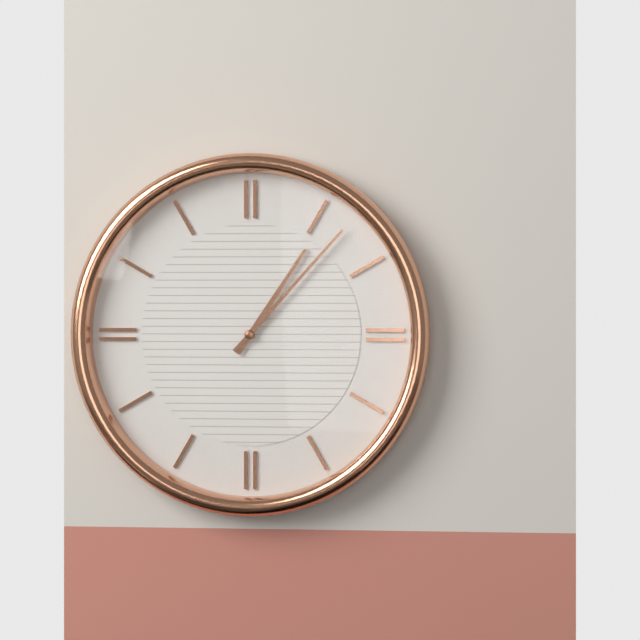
**1:07**
